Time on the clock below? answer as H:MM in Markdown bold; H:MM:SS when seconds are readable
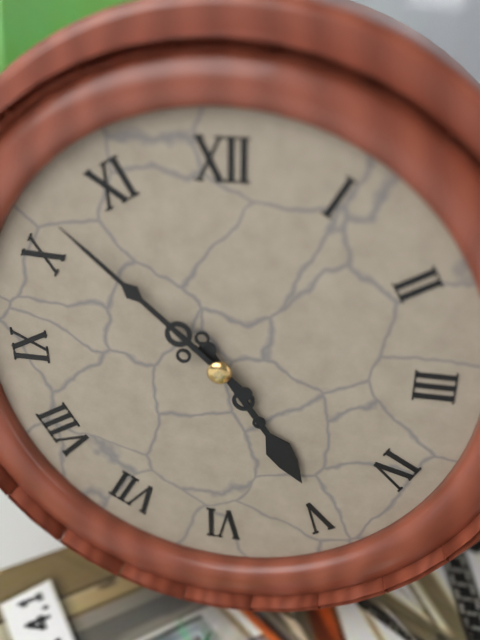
**4:52**
